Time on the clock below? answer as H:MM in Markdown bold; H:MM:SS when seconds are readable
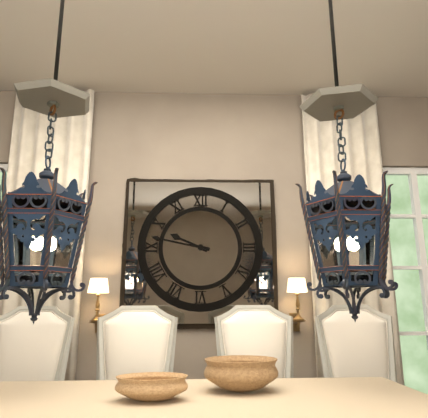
**9:47**
